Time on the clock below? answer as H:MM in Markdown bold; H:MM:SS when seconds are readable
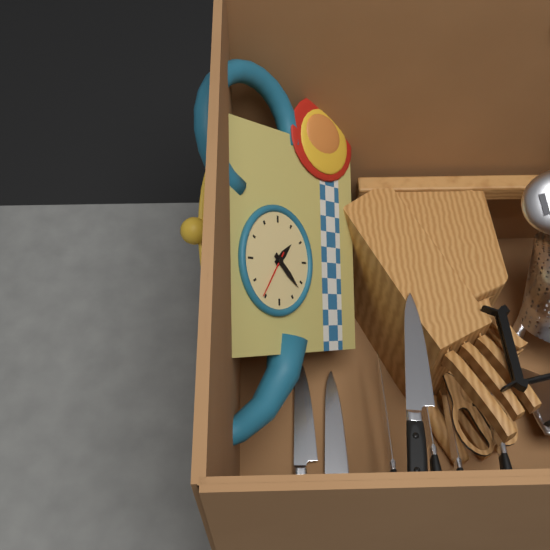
**4:37**
